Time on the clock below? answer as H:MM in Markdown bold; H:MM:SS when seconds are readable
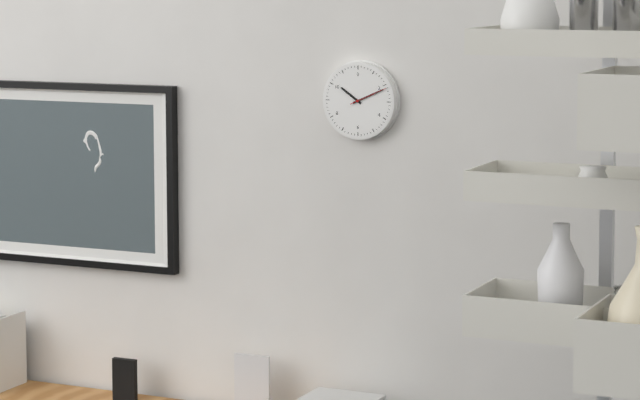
**10:11**
